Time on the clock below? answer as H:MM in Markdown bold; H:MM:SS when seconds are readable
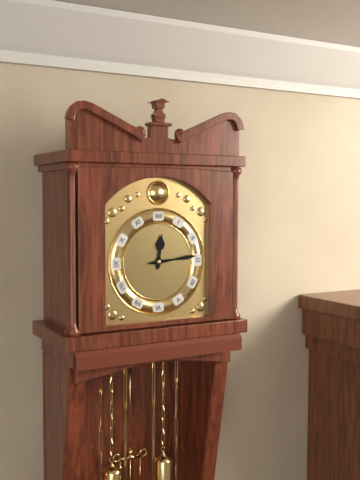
**12:14**
